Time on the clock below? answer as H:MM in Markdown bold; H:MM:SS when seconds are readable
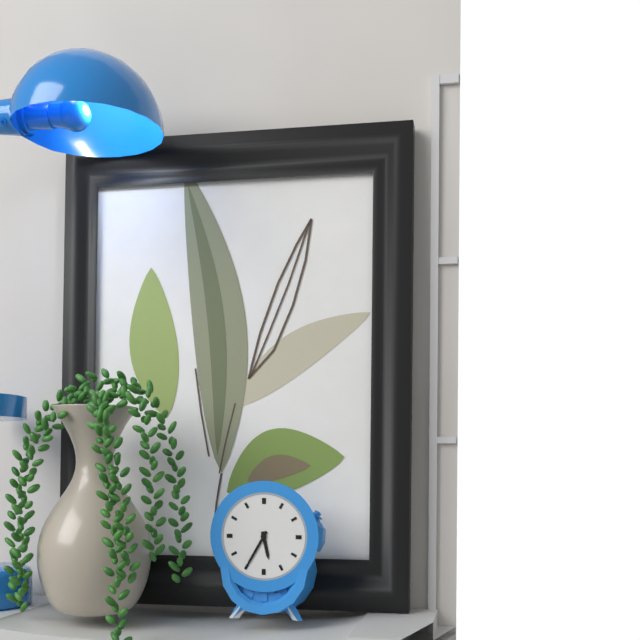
**5:35**
